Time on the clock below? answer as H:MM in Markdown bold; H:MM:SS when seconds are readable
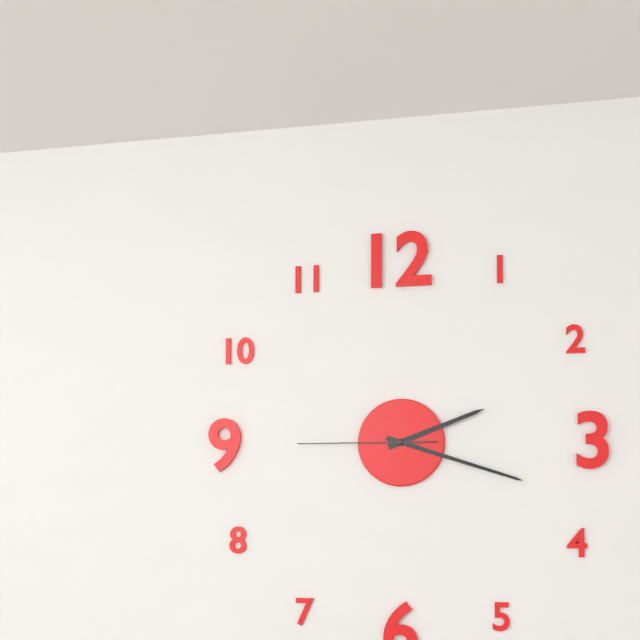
**2:18:45**
